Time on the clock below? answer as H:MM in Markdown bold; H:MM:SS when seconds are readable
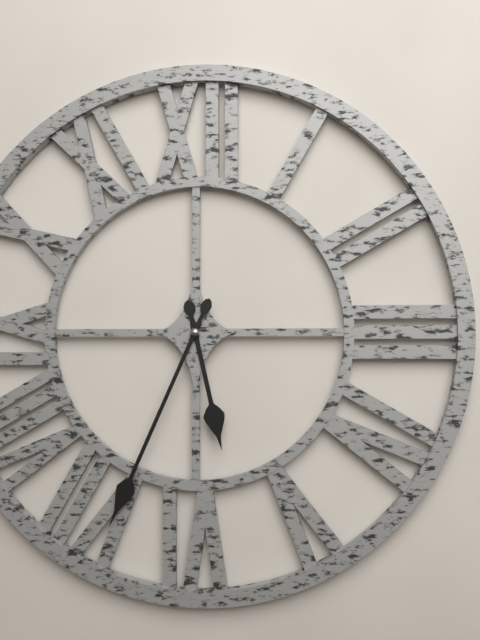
**5:34**
